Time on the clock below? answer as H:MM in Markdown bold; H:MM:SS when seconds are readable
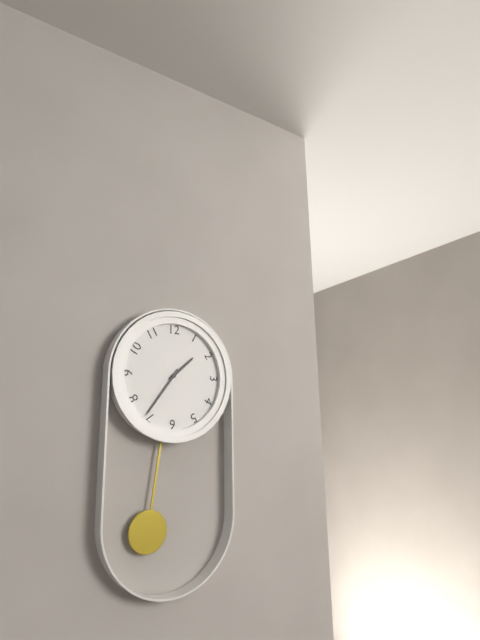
**1:36**
